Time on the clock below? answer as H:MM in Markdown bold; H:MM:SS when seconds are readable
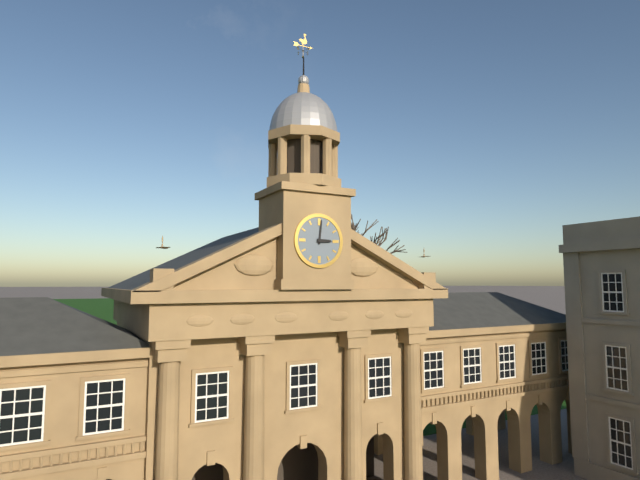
**3:01**
